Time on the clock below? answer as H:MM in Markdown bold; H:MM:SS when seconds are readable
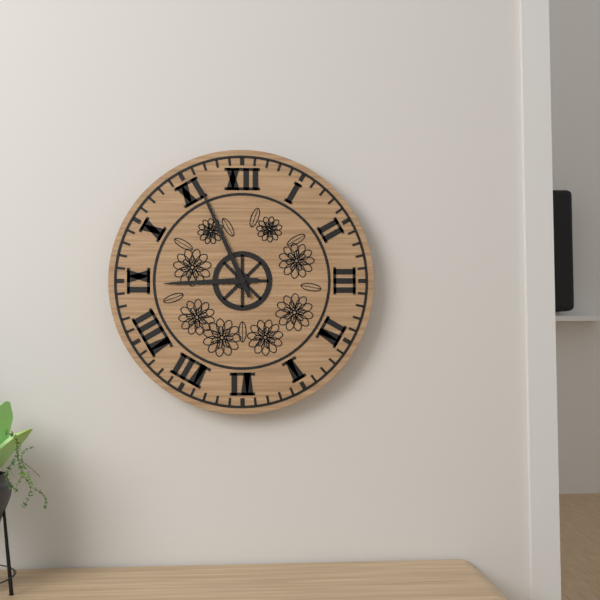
**8:56**
